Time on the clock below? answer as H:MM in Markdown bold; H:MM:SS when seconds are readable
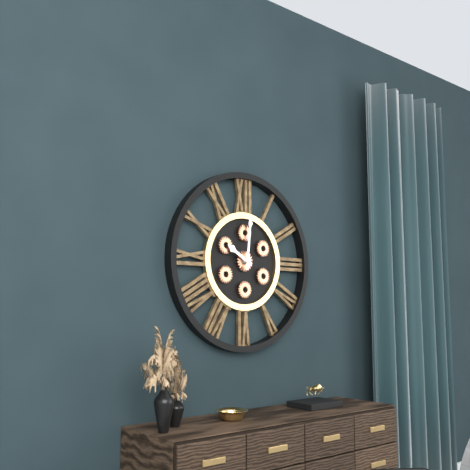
**10:01**
